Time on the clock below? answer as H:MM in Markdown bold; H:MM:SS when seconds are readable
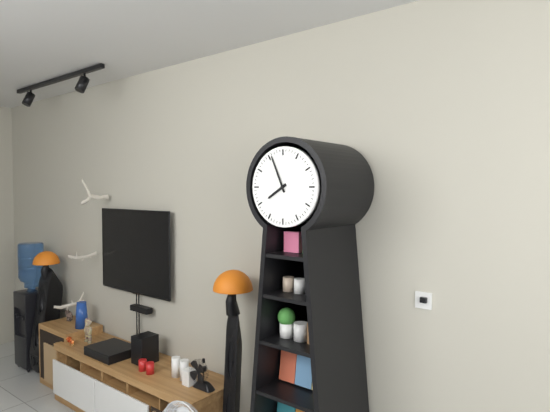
**7:56**
